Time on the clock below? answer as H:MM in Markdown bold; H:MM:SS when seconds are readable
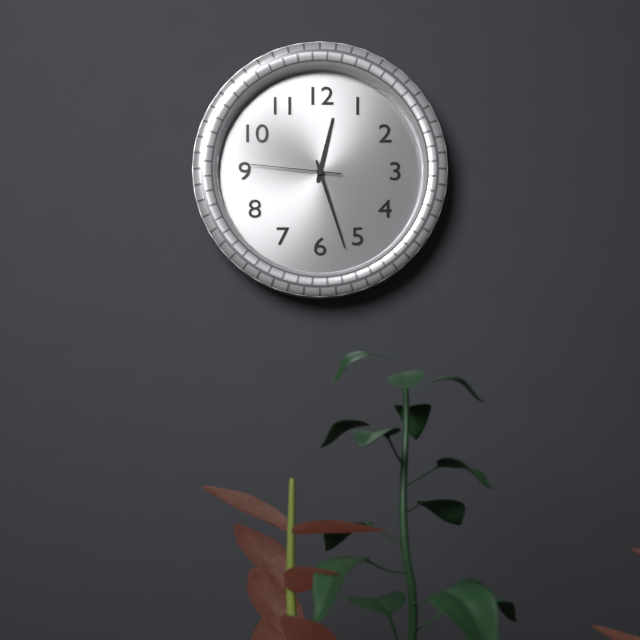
**12:27:46**
